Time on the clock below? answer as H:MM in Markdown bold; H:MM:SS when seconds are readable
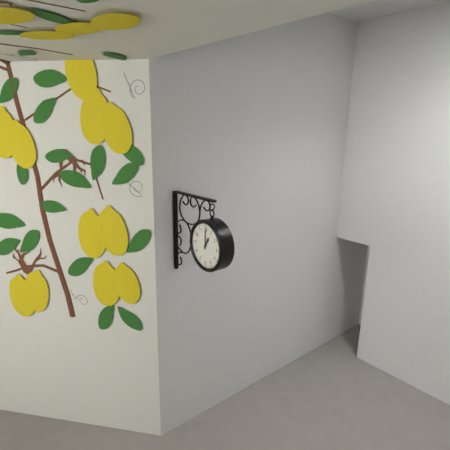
**1:00**
